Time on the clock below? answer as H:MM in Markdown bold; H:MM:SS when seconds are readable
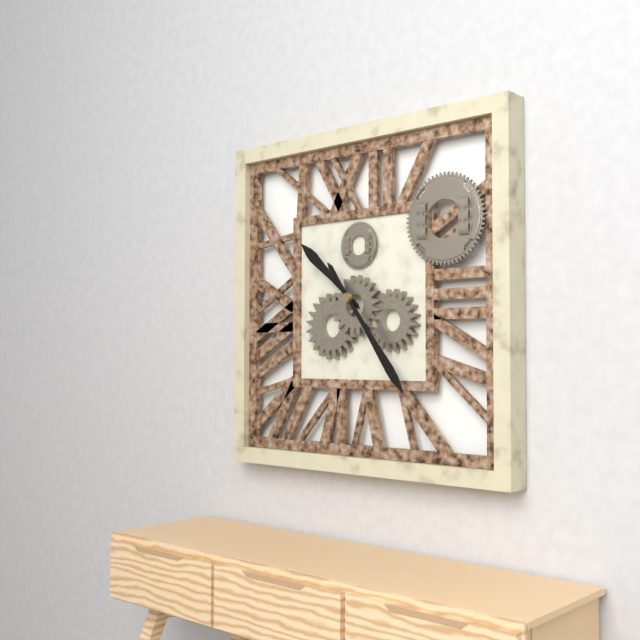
**10:24**
